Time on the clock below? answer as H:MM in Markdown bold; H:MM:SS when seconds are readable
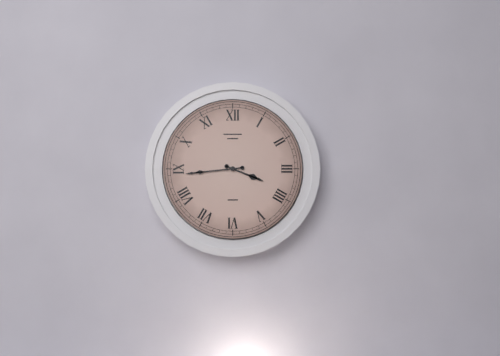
**3:44**
